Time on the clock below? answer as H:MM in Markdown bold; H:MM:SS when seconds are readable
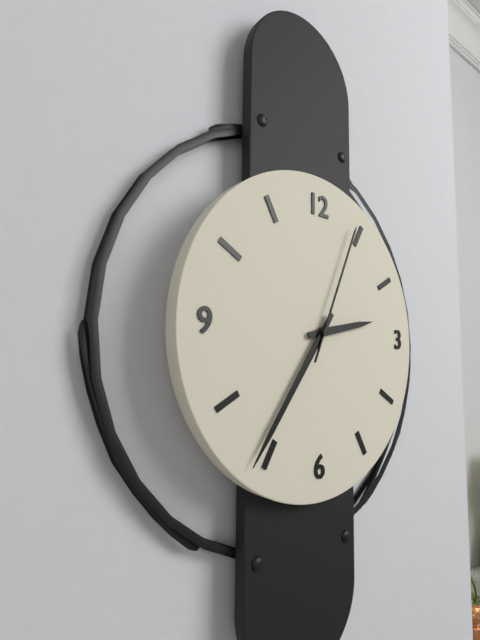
**2:36:04**
